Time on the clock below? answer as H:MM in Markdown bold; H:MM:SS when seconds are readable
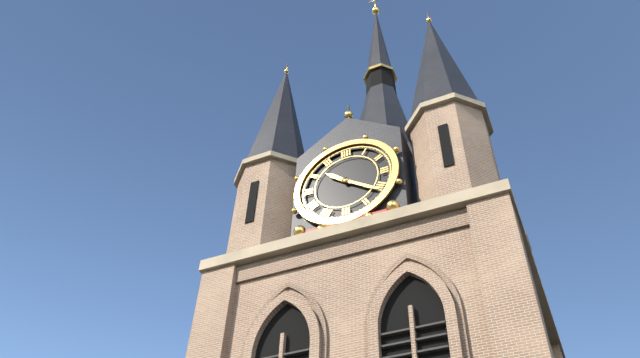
**10:21**
